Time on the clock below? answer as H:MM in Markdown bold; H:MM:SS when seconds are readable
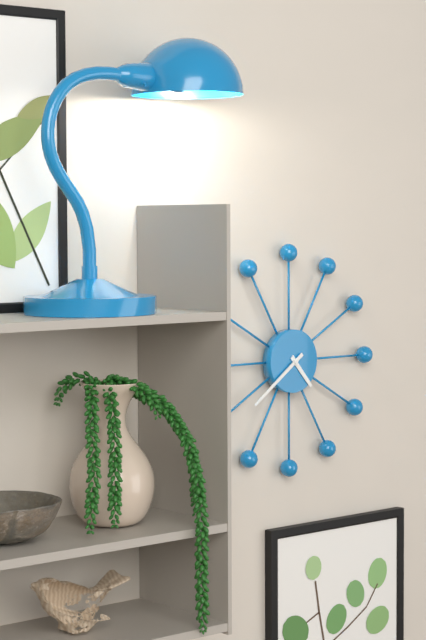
**4:39**
